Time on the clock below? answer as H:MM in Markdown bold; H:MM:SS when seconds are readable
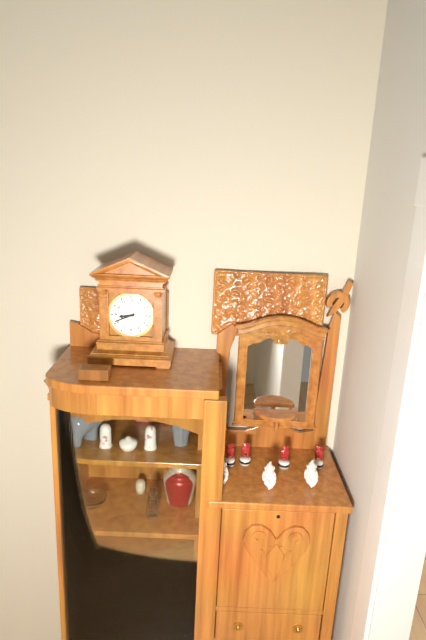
**8:41**
